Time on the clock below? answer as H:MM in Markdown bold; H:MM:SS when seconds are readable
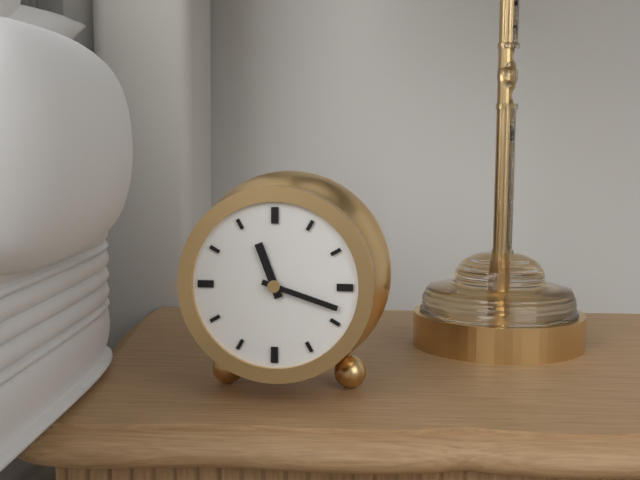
**11:18**
